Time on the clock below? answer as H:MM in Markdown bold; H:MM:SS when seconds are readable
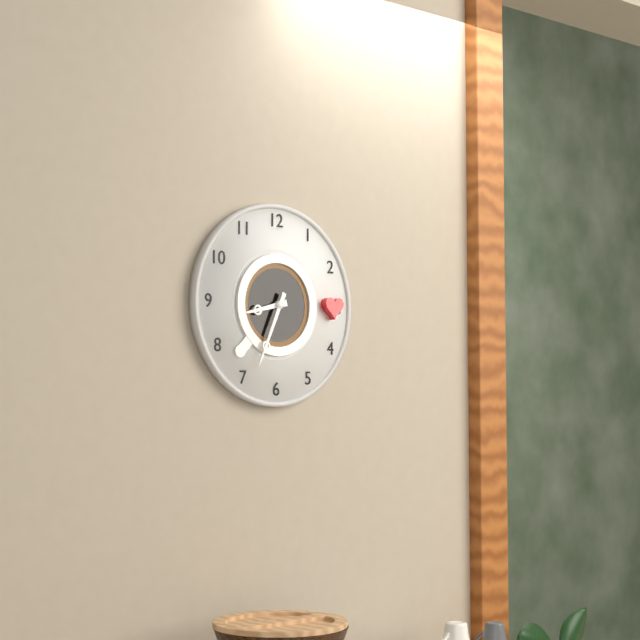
**8:34**
